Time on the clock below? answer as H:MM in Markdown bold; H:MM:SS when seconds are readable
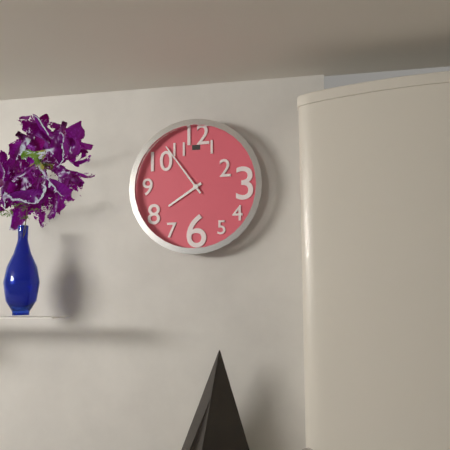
**7:54**
